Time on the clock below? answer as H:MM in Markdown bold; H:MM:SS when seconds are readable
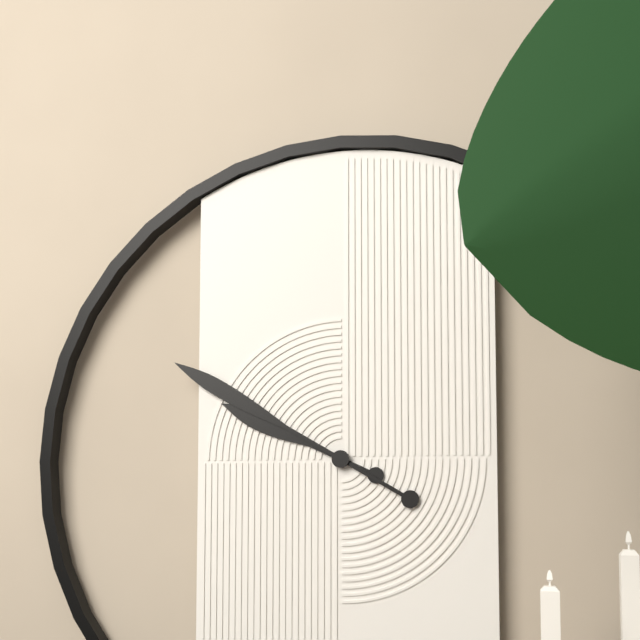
**9:50**
